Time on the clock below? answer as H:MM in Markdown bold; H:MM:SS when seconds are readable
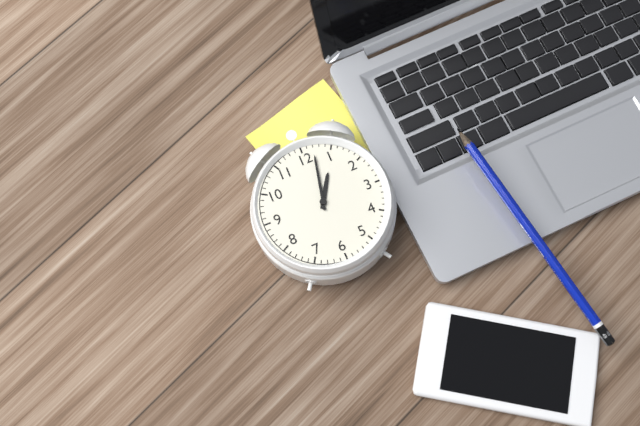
**1:02**
